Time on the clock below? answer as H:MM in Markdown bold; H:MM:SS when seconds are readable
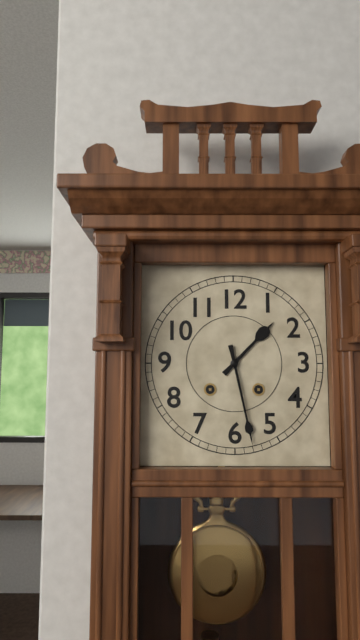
**1:28**
